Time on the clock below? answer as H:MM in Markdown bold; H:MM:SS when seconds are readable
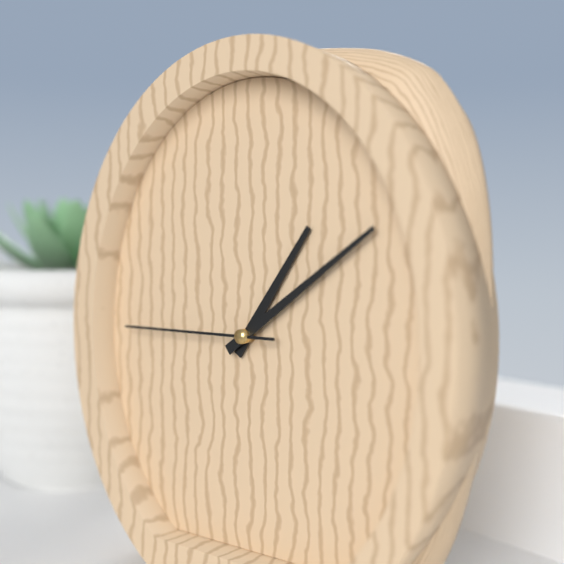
**1:09:45**
